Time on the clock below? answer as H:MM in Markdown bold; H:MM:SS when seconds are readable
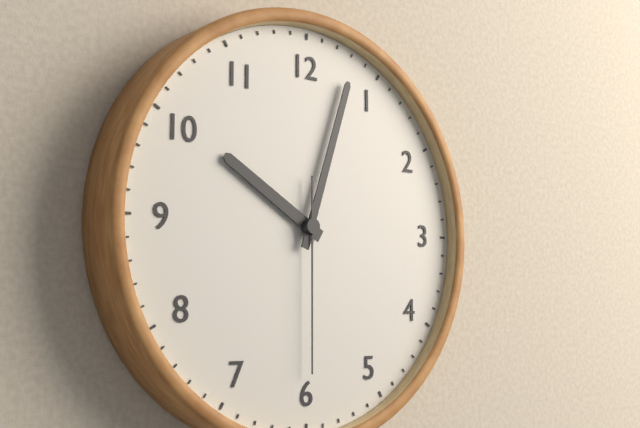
**10:03:30**
